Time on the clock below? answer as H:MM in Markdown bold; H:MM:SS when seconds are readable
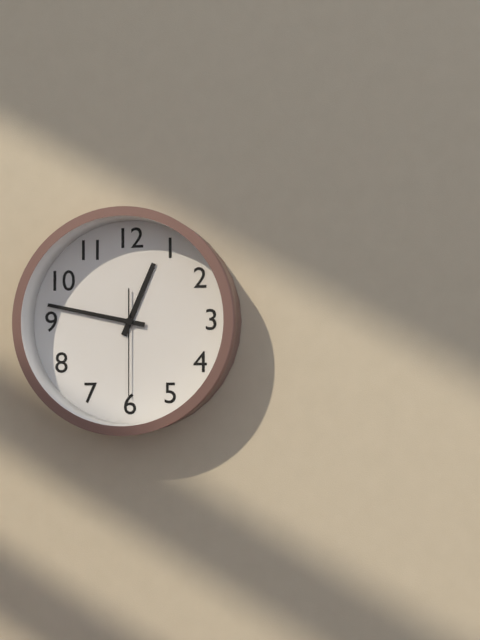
**12:47:30**
